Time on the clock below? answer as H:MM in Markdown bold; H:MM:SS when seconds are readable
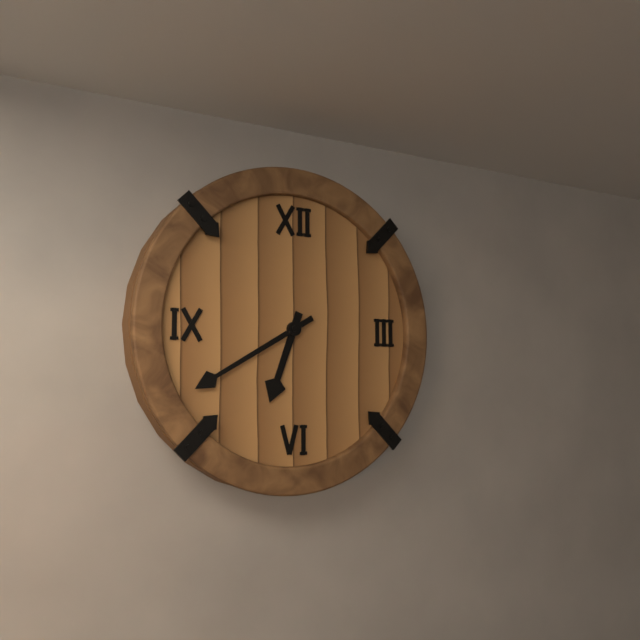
**6:40**
